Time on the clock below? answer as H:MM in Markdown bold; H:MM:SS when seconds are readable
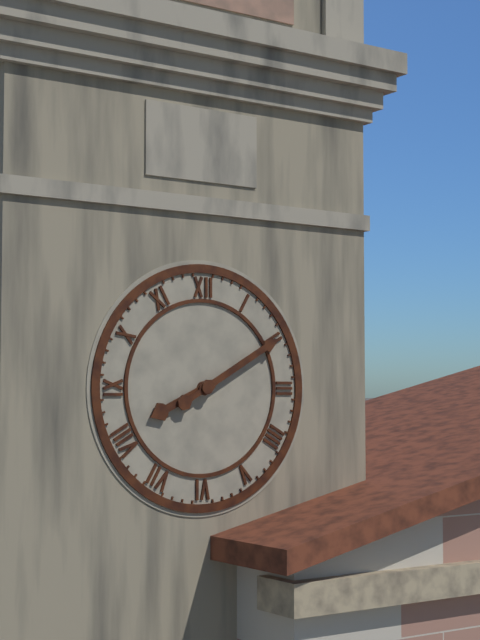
**8:10**
